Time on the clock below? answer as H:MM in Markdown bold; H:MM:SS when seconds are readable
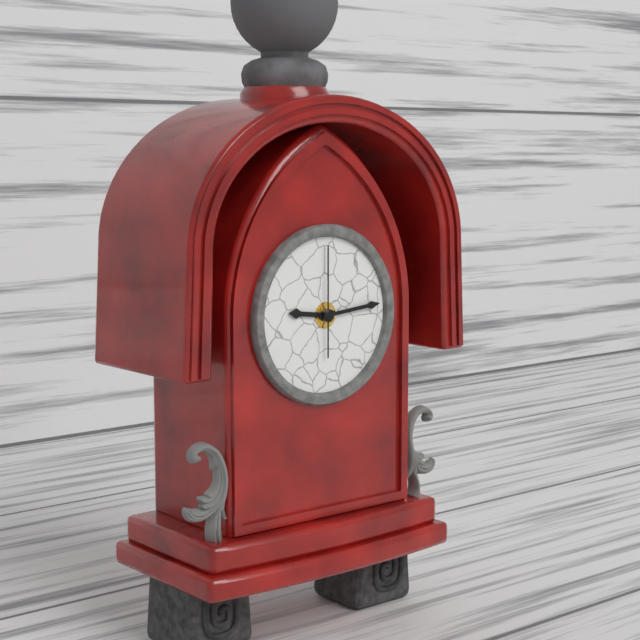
**9:14:00**
